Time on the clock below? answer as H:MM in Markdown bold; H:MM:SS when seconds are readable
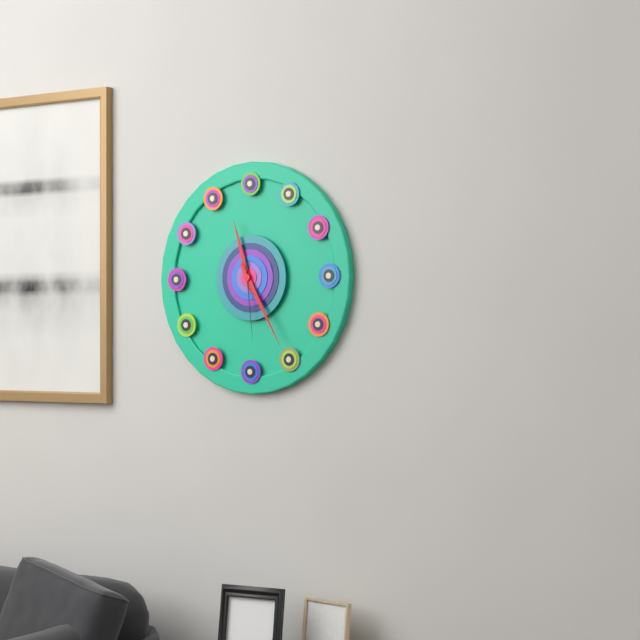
**11:25:29**
